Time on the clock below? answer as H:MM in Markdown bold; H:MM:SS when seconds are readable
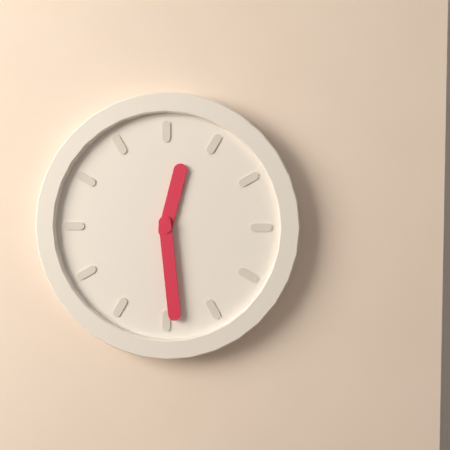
**12:29**
